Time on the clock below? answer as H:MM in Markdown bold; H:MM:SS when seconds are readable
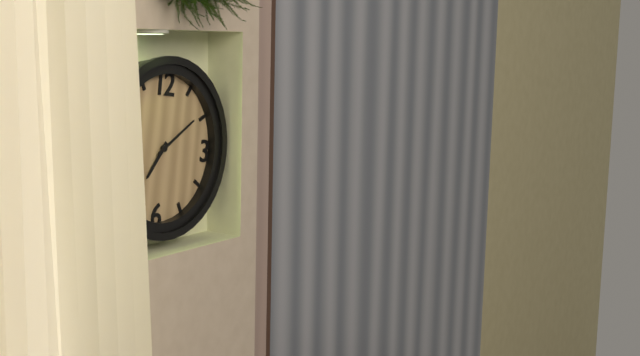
**7:09**
